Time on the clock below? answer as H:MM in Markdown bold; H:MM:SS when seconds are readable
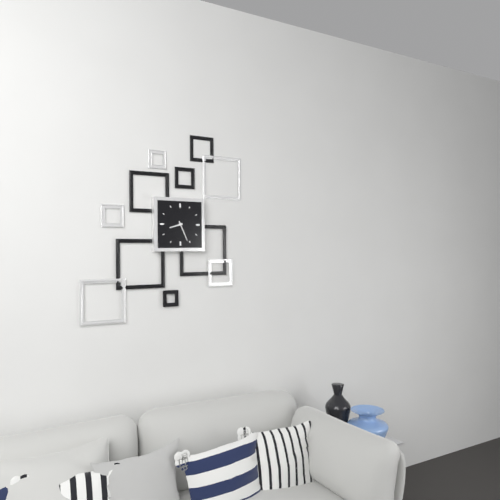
**8:26**
